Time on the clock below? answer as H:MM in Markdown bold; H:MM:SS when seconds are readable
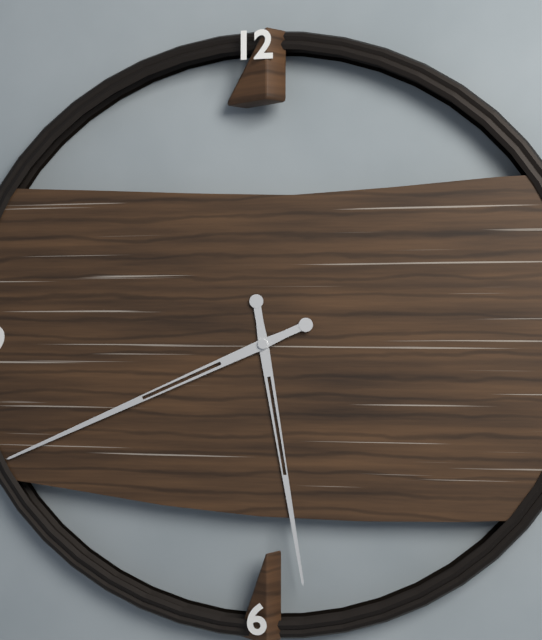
**5:41**
